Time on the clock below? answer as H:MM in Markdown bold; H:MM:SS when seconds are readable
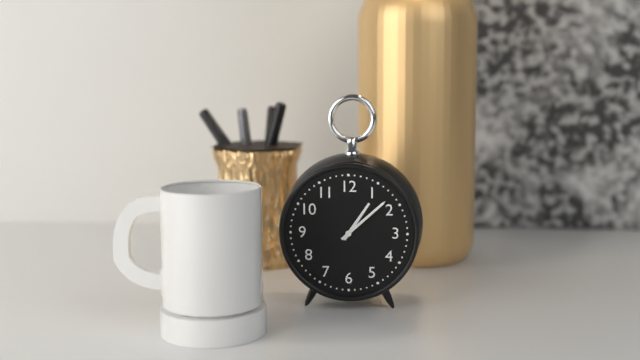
**1:08**
